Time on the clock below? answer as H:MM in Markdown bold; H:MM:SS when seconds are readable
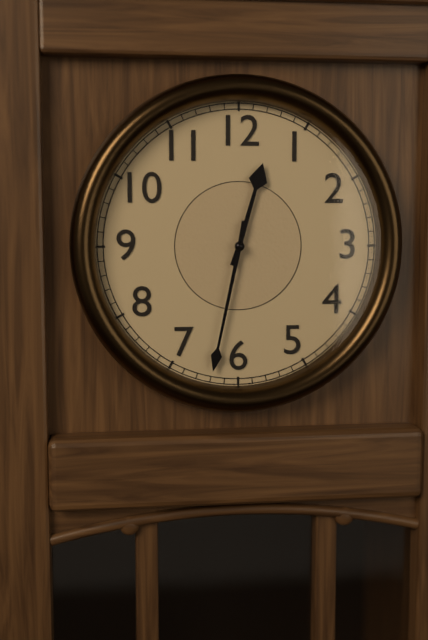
**12:32**
